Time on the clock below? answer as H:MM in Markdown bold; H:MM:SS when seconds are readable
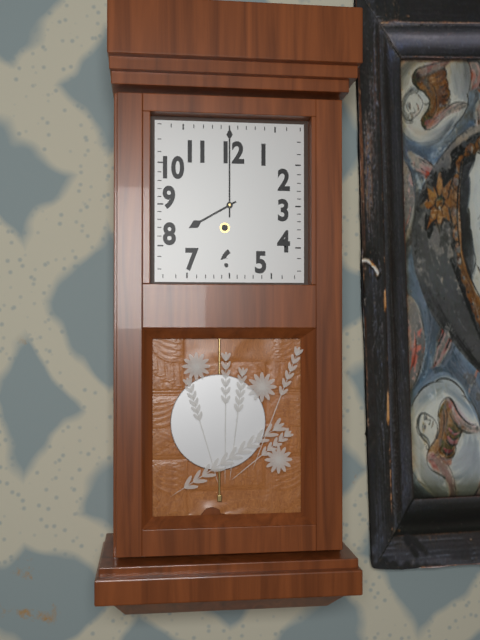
**8:00**
